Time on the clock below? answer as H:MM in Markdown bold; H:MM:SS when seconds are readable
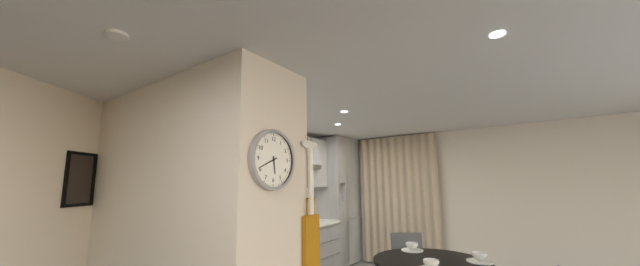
**5:41**
